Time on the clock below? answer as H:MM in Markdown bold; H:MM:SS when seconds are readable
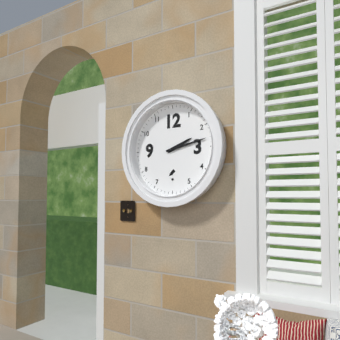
**2:13**
